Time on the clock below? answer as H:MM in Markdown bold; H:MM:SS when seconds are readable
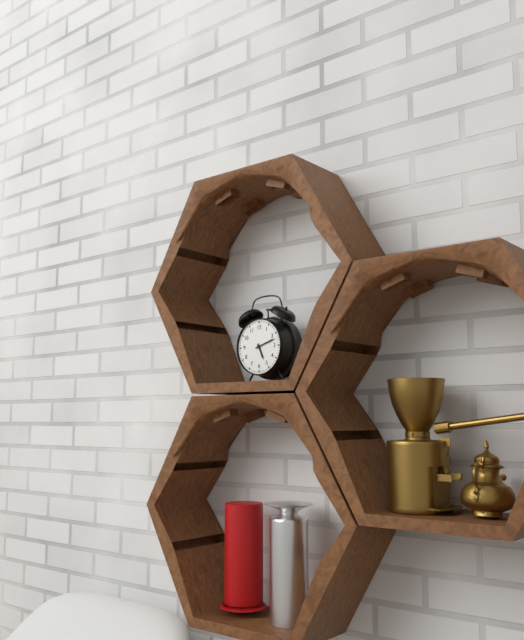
**5:12**
